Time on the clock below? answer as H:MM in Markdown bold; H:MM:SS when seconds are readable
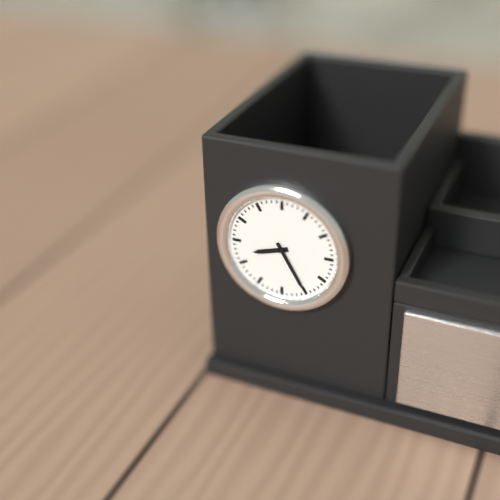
**8:25**
